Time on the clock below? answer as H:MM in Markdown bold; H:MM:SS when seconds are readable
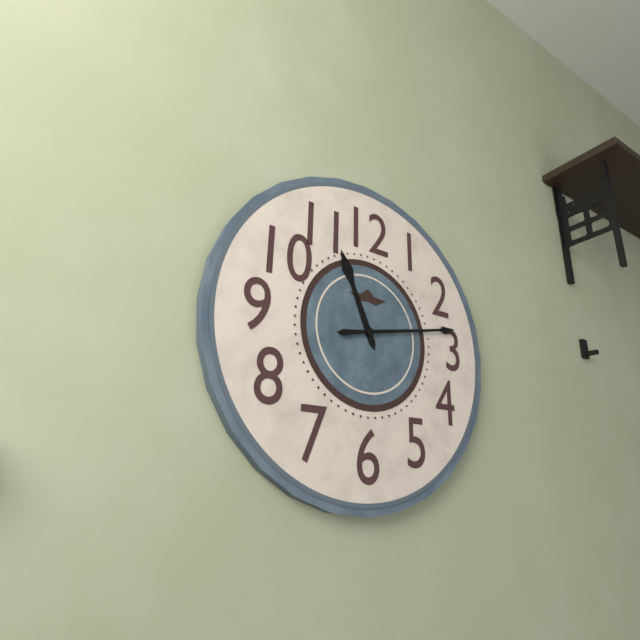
**11:13**
